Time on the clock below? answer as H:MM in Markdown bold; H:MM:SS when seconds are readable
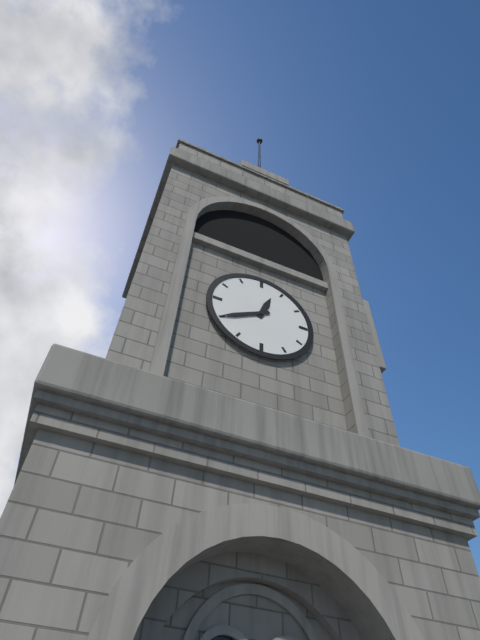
**12:40**
